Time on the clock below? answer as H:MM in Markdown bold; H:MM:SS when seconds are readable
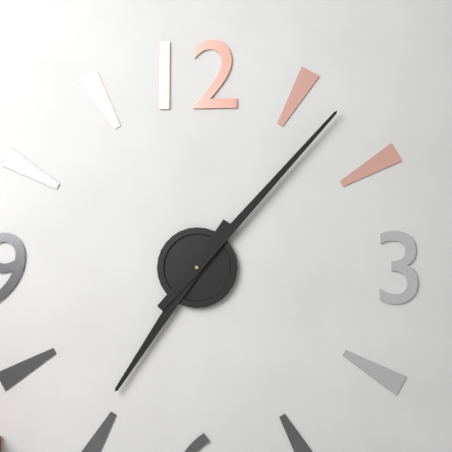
**7:07**
